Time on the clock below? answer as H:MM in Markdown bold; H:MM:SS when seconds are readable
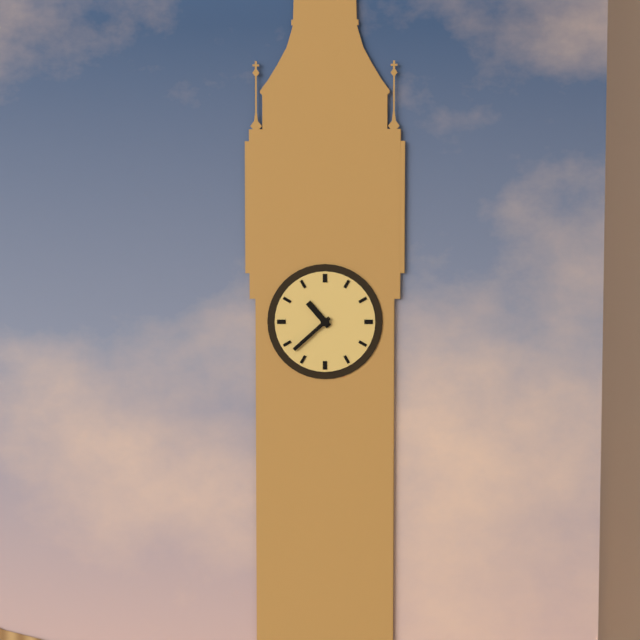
**10:38**
